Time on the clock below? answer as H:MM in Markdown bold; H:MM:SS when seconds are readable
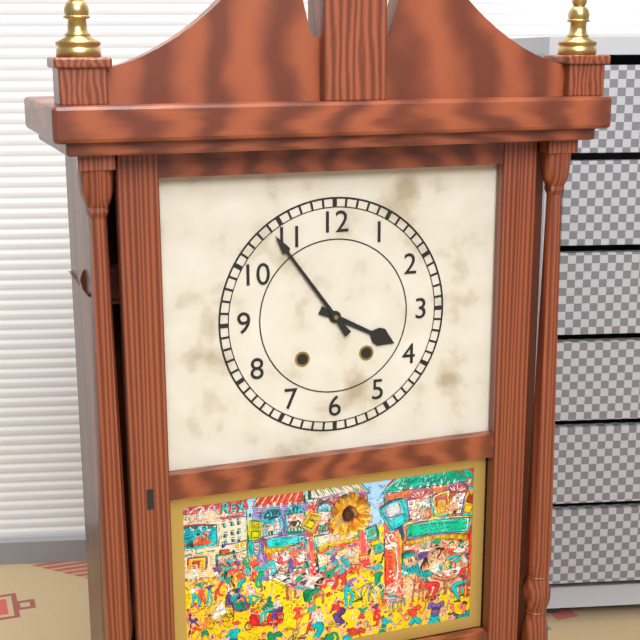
**3:54**
